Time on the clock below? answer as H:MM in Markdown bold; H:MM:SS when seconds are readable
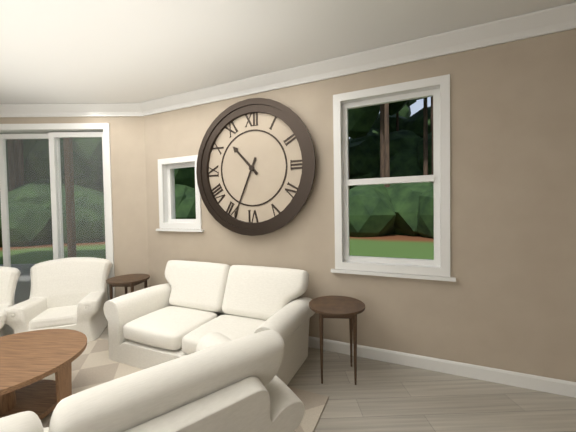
**10:34**
